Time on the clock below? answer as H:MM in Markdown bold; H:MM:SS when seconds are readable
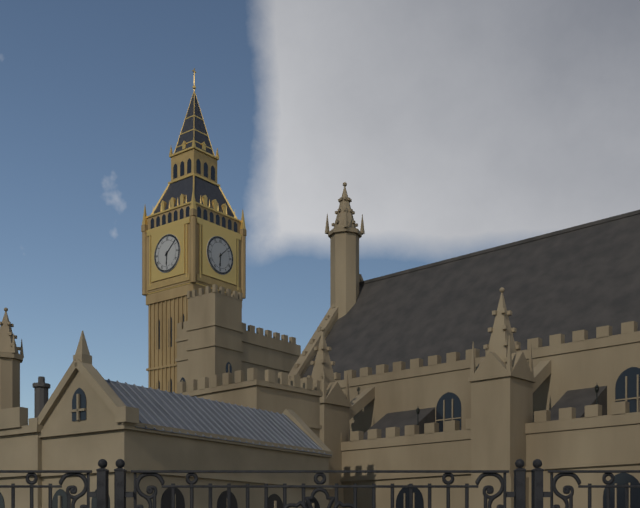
**6:08**
